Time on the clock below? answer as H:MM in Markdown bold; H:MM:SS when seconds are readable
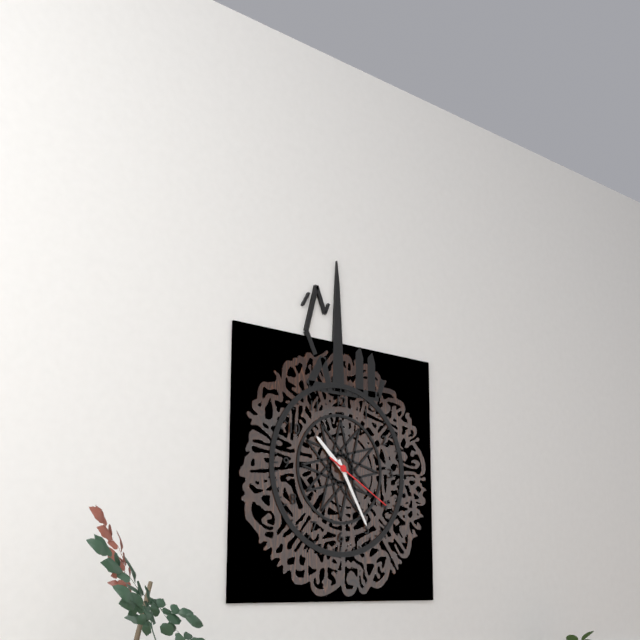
**10:25:20**
